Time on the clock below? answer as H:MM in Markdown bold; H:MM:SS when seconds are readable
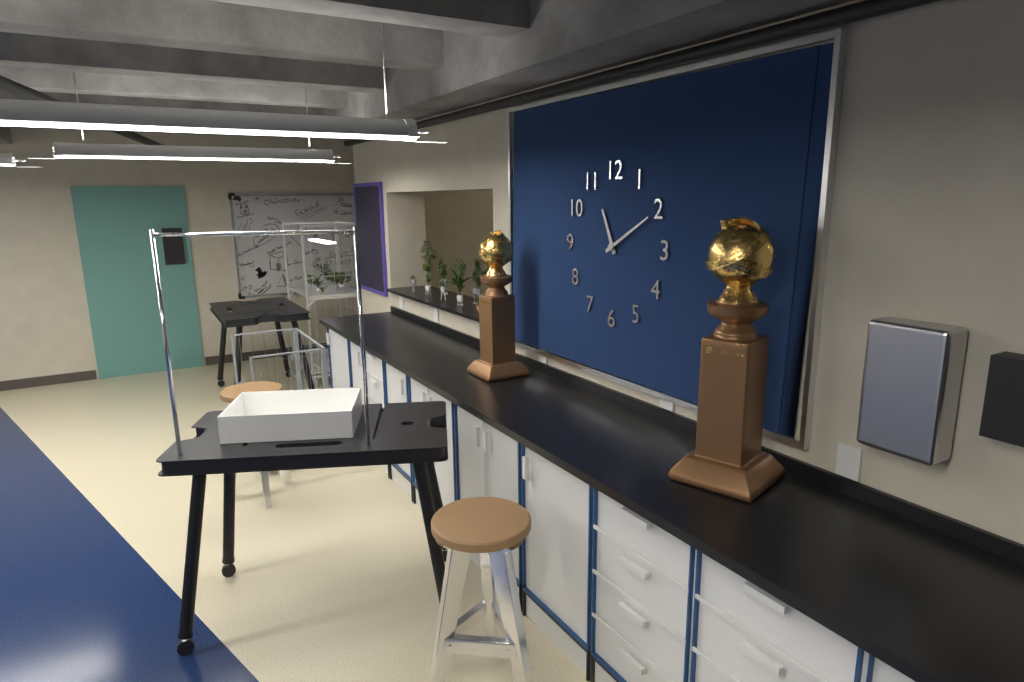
**11:10**
